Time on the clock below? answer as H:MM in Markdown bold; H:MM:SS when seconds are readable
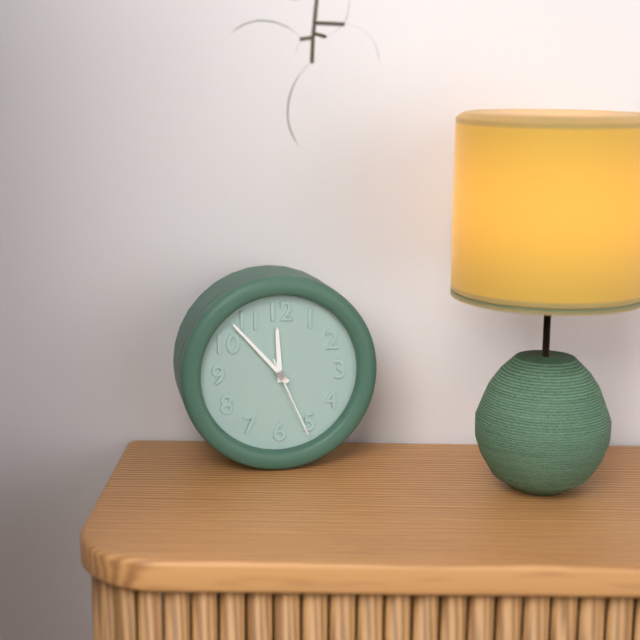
**11:53:26**
